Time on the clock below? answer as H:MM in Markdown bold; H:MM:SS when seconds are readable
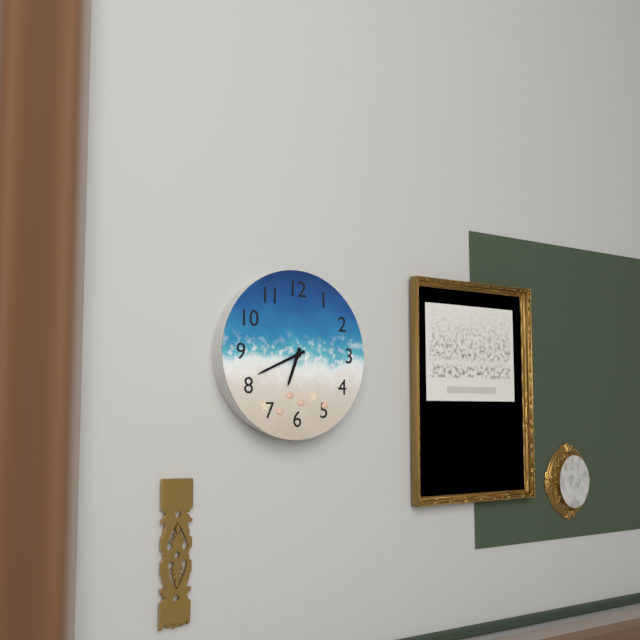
**6:41**
